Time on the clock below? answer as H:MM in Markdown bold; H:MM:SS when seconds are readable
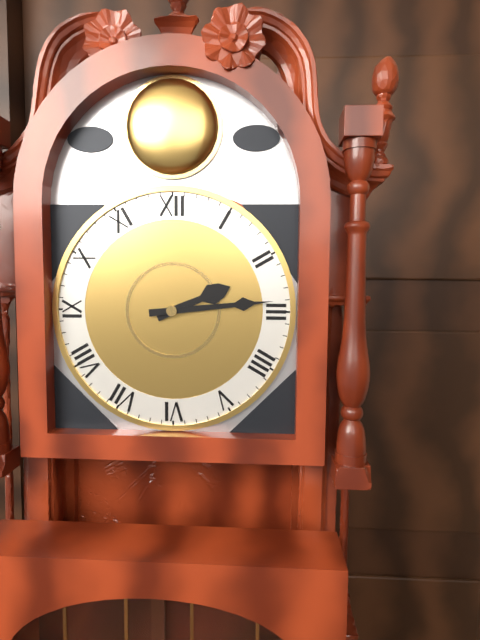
**2:14**
